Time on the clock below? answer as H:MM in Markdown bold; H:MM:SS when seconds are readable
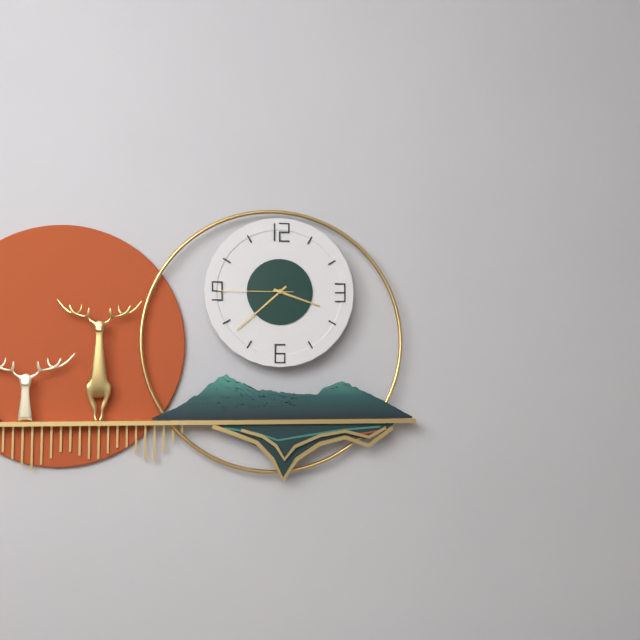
**3:38:45**
